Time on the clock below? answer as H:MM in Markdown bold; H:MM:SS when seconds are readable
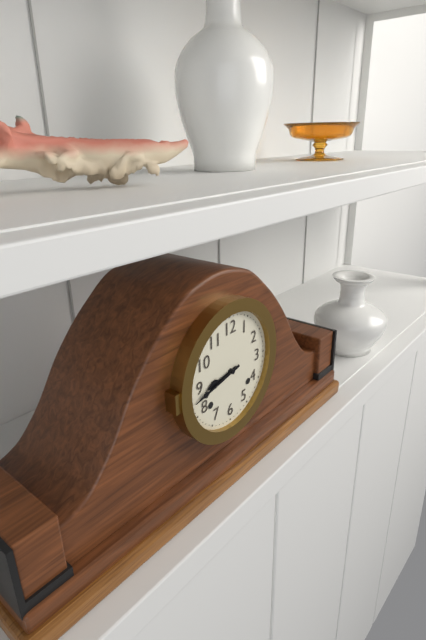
**8:43**
